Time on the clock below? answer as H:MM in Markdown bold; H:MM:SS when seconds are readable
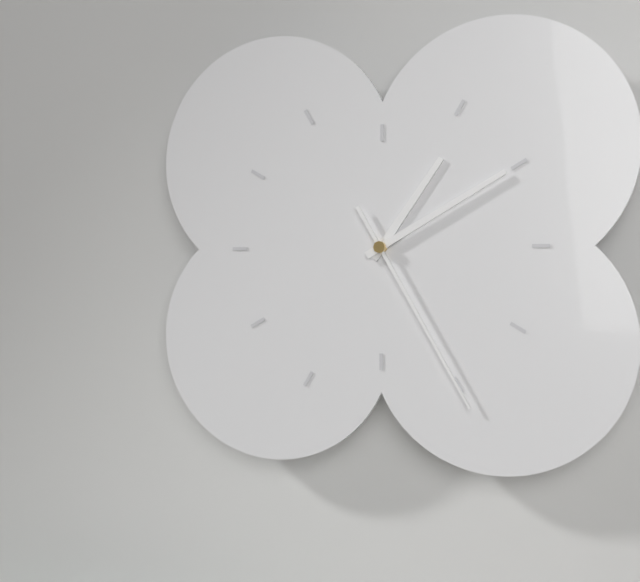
**1:10:25**
